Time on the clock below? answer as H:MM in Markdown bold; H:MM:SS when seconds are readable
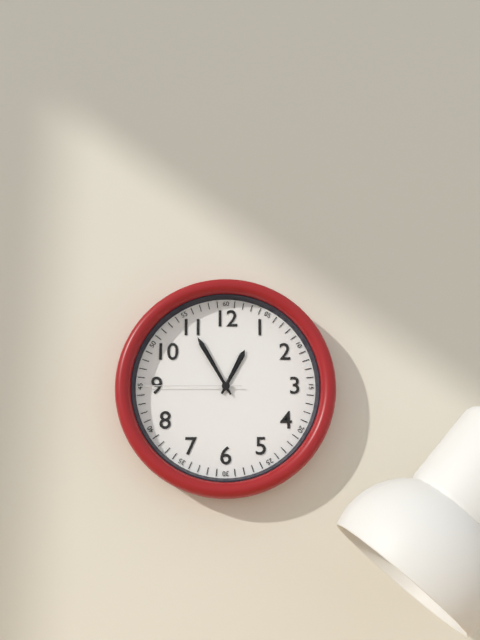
**12:55:45**
